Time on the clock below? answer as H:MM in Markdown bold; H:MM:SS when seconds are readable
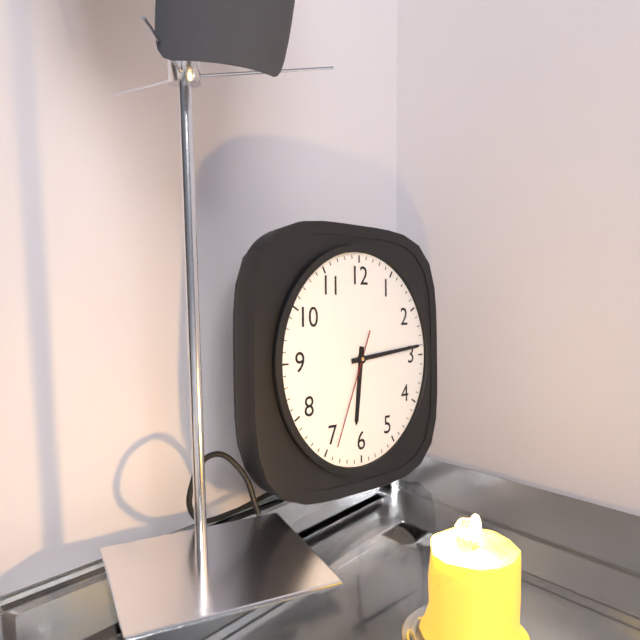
**6:14:34**
